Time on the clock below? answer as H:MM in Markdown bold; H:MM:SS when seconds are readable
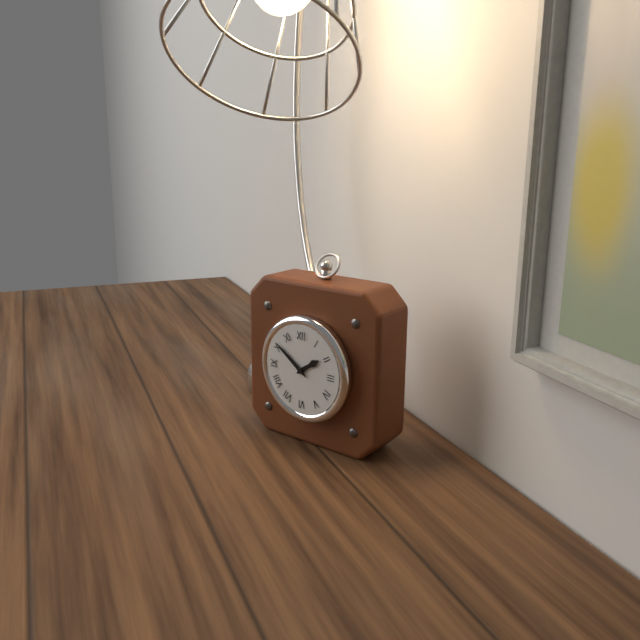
**1:51**
